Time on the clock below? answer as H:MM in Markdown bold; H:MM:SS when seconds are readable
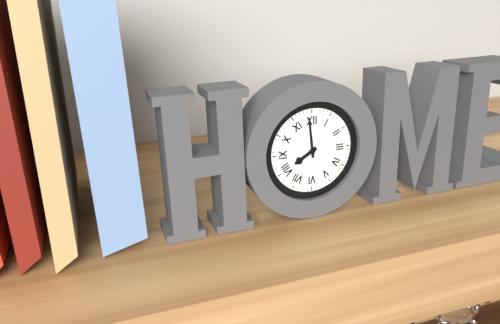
**7:59**
